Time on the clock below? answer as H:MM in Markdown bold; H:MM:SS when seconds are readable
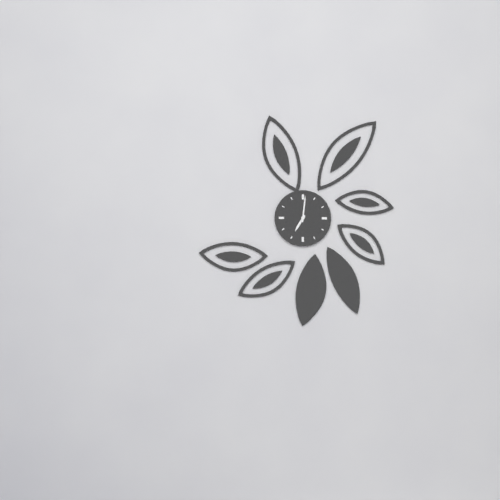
**7:01**
